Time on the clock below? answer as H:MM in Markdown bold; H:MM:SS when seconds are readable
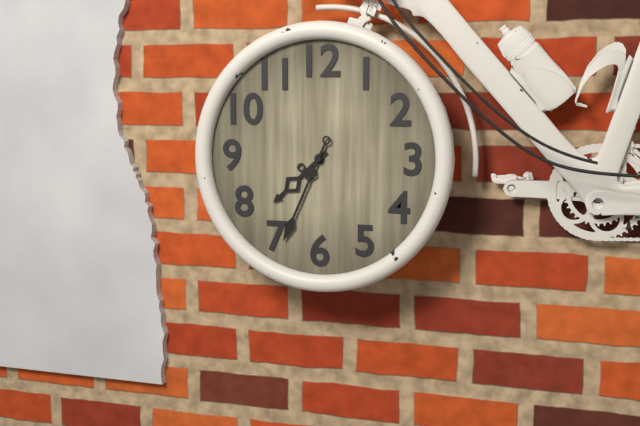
**7:34**
